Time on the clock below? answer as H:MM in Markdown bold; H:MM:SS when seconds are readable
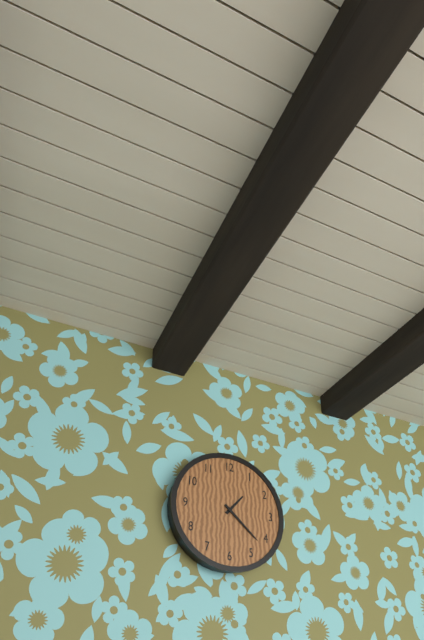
**1:22**
